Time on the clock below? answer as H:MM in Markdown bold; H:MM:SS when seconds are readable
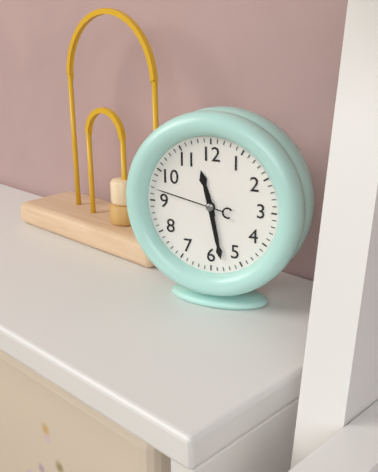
**11:28:47**
